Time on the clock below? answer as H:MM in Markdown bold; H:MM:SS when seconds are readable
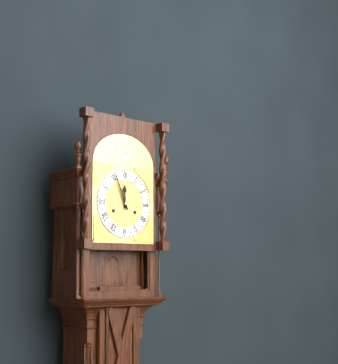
**11:56**
